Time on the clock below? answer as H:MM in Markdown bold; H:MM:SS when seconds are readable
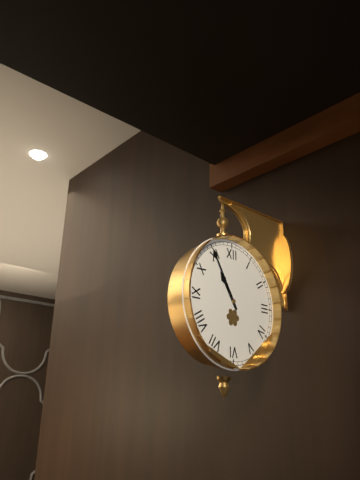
**10:55**
